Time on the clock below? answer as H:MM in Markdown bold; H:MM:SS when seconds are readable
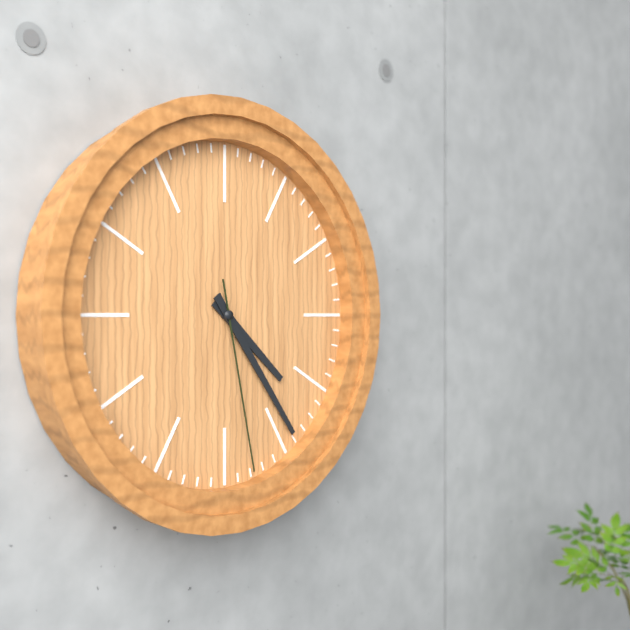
**4:24:28**
